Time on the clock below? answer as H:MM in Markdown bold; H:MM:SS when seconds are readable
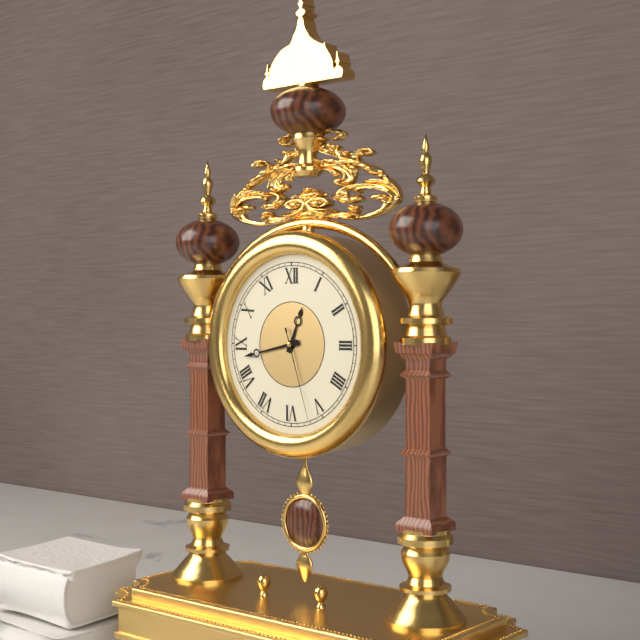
**12:43:27**
